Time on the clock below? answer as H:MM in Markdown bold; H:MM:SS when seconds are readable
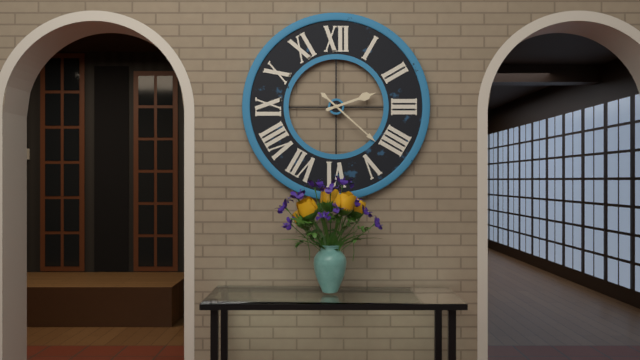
**2:22**
